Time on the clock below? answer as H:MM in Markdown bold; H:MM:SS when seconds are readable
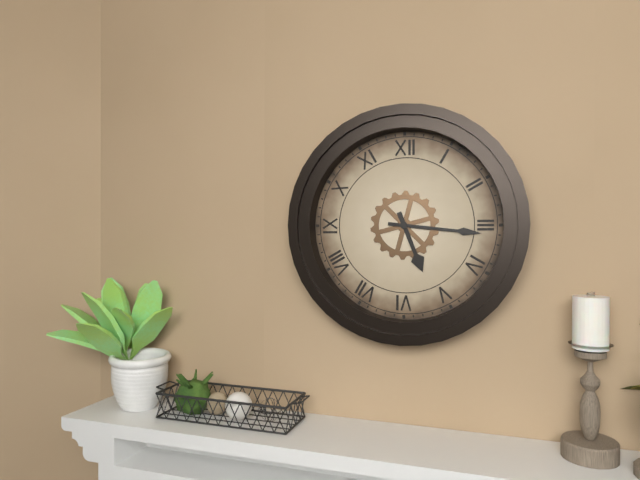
**5:16**
